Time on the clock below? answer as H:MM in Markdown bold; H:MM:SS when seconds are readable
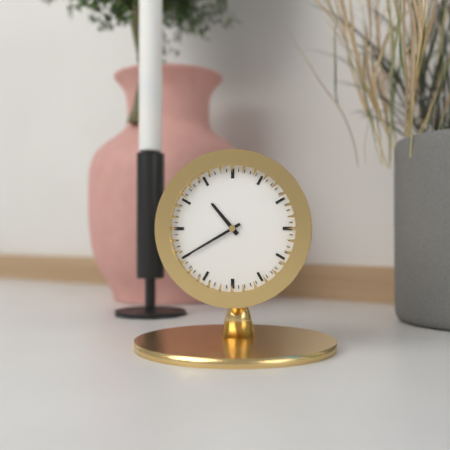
**10:40**
